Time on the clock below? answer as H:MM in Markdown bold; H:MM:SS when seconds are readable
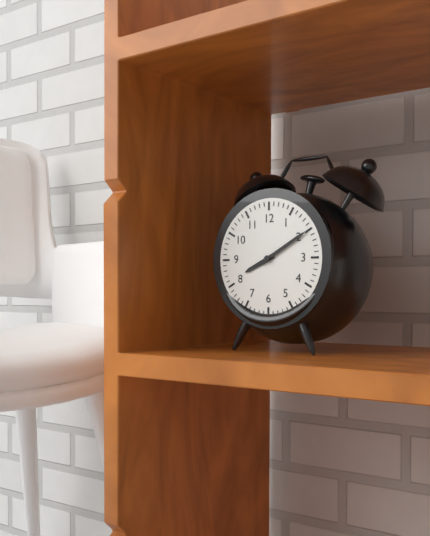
**8:10**
